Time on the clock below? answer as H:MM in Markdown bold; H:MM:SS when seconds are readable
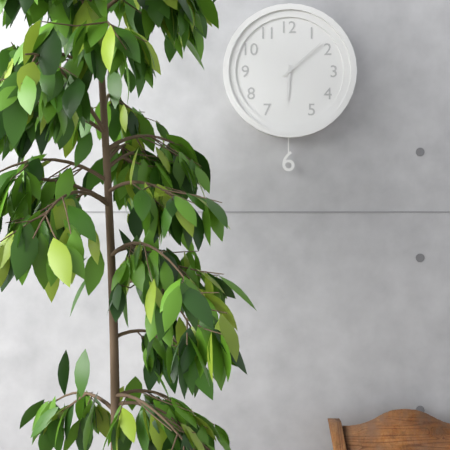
**6:08**
